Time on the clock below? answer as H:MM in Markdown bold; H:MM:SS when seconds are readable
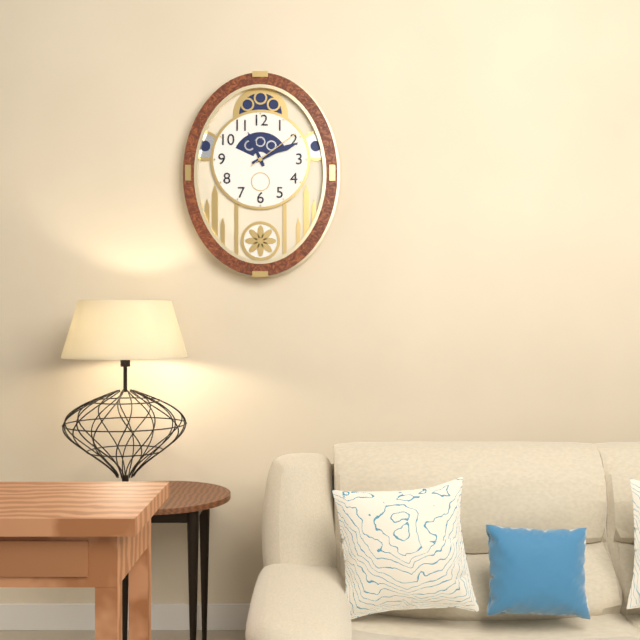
**11:11:09**
